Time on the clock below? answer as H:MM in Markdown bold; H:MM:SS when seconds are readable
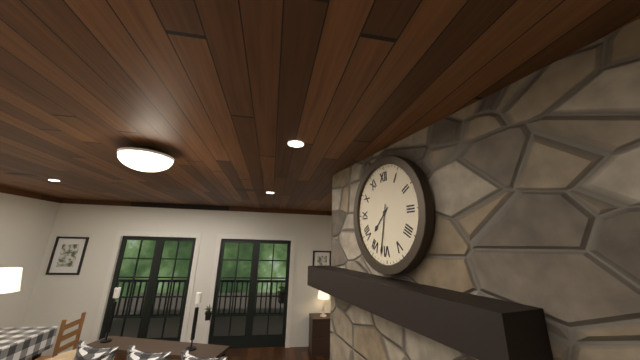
**7:32**
